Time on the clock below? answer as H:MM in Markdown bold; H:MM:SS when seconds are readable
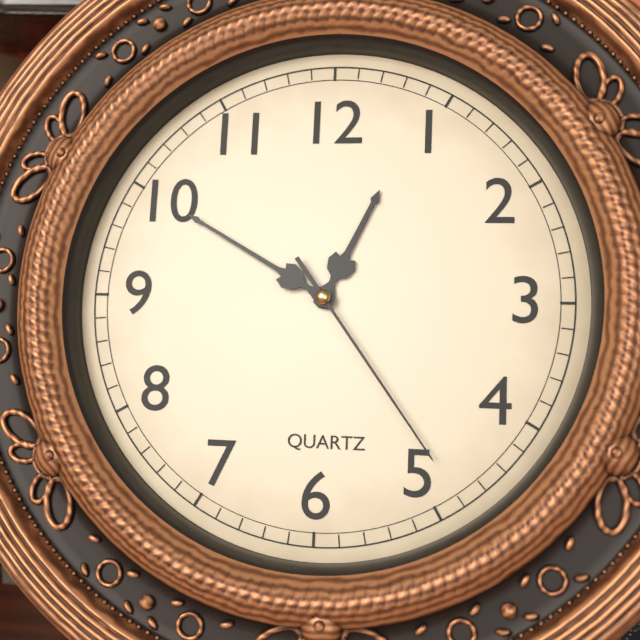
**12:50:24**
